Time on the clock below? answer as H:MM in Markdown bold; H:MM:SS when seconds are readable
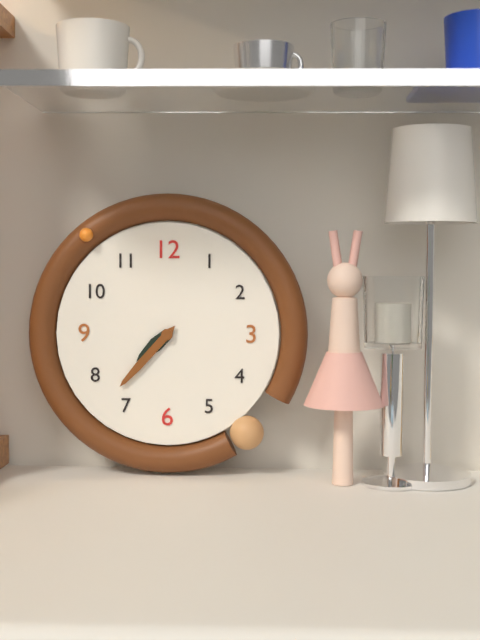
**7:37**
